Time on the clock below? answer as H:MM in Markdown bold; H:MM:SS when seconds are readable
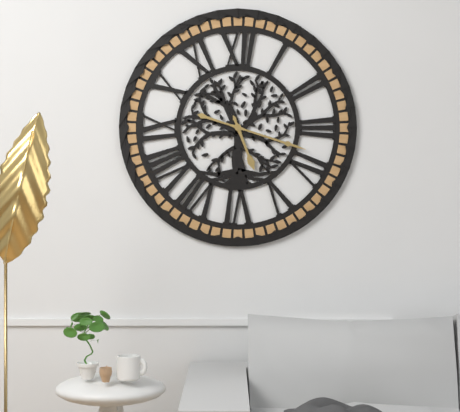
**5:18**
